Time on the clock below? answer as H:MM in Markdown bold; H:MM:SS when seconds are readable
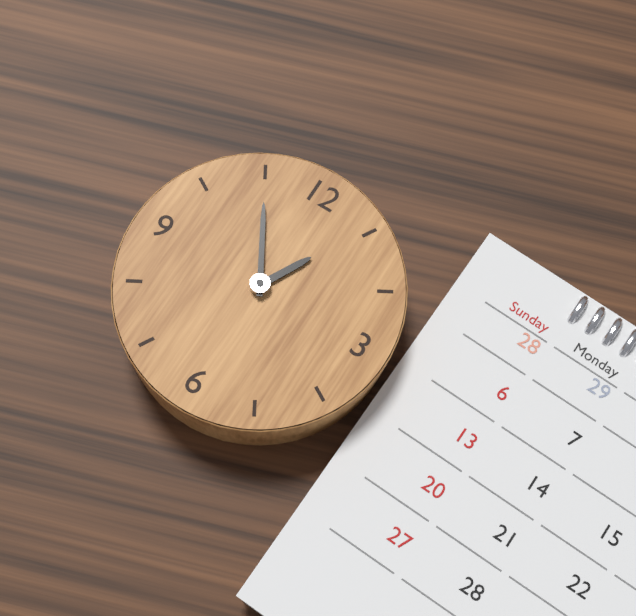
**12:55**
